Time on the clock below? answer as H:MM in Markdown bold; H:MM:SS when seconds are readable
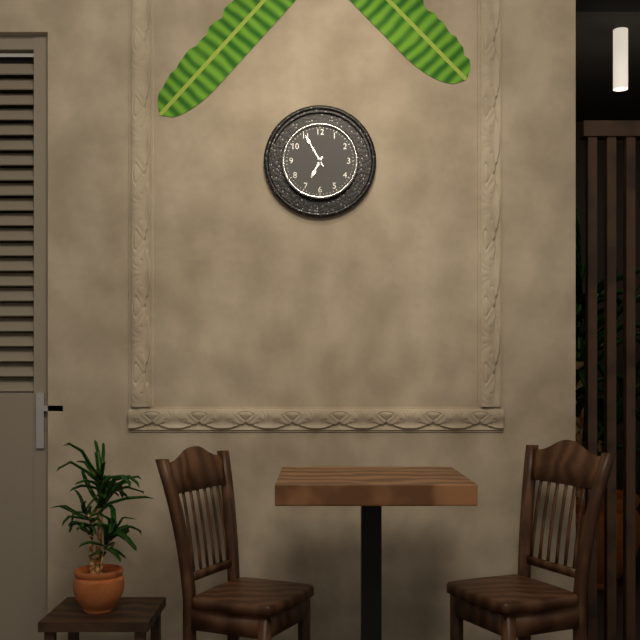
**6:55**
